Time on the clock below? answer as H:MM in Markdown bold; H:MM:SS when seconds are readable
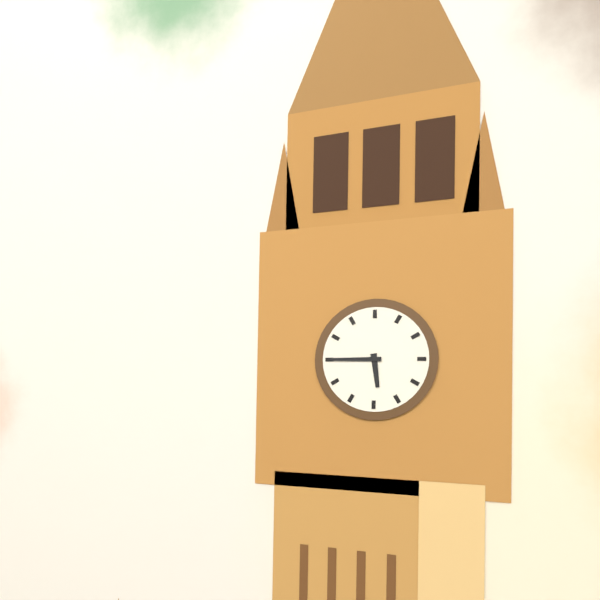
**5:45**
